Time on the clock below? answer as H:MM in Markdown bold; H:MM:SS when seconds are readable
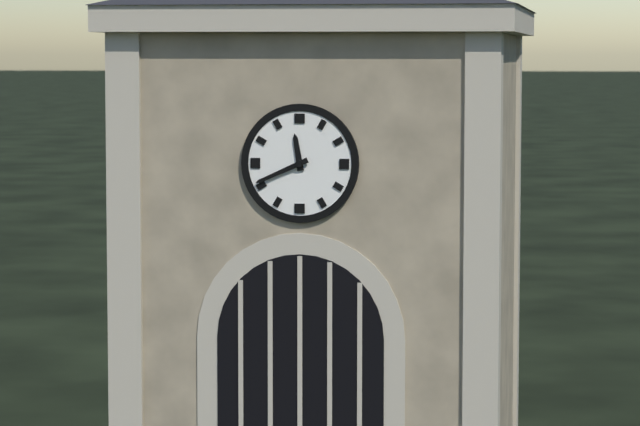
**11:41**
